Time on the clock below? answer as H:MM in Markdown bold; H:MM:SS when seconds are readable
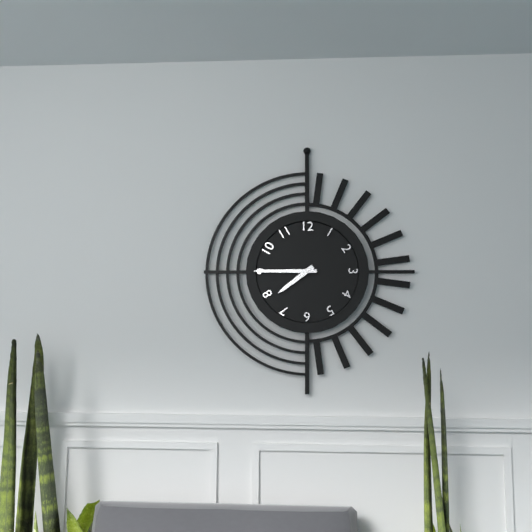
**7:45**
